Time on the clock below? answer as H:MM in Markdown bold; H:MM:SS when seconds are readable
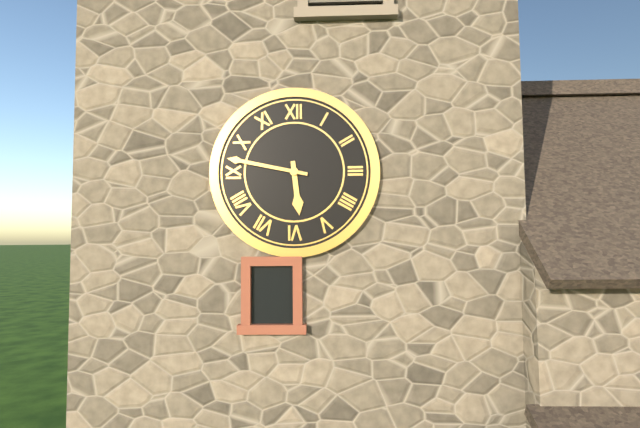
**5:47**
